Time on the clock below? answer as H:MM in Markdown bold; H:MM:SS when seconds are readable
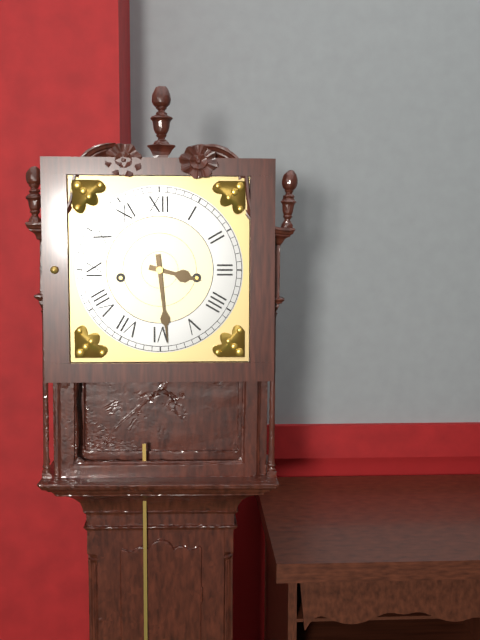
**3:29**
